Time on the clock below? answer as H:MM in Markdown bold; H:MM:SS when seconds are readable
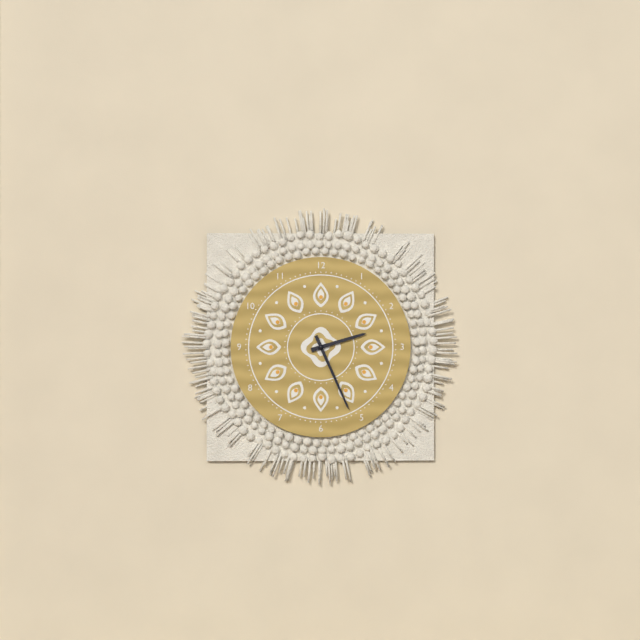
**2:26**
